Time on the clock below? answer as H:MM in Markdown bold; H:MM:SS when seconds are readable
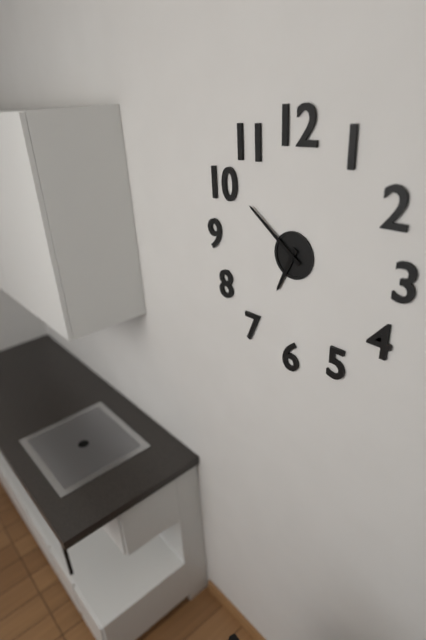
**6:51**
